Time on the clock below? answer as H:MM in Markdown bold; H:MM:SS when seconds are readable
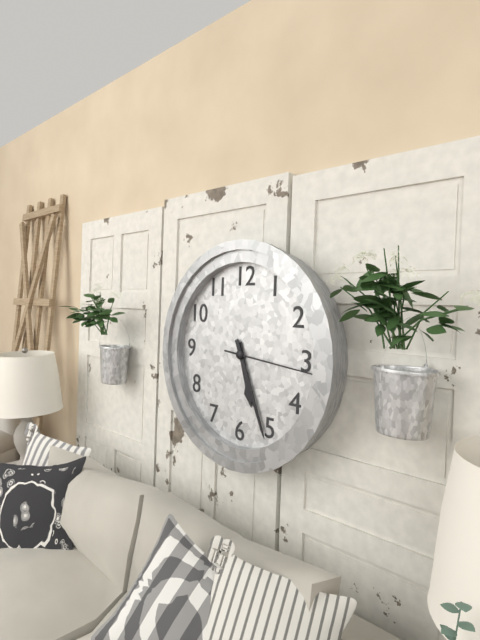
**5:26:16**
